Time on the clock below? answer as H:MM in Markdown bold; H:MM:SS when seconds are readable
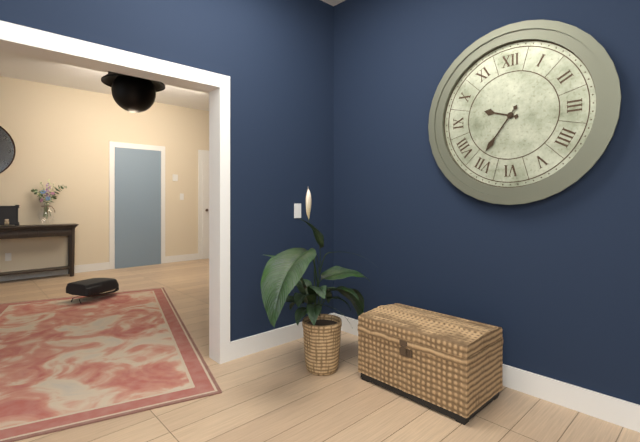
**9:36**
